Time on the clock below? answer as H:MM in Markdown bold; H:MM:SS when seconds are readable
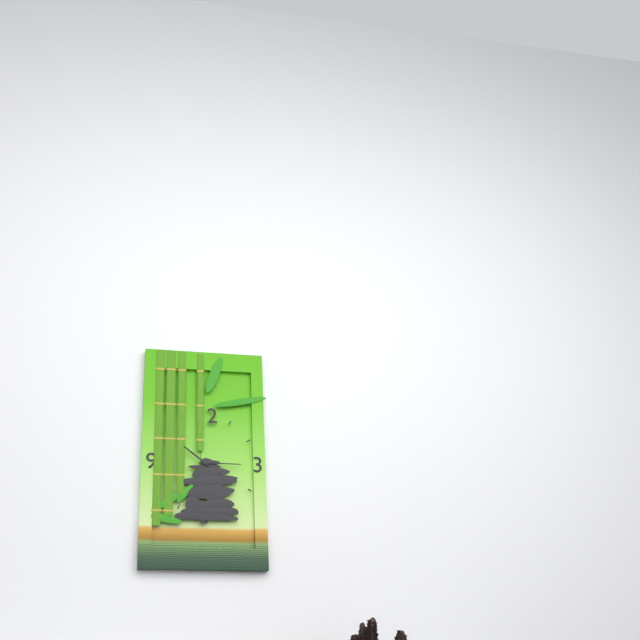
**10:15**
